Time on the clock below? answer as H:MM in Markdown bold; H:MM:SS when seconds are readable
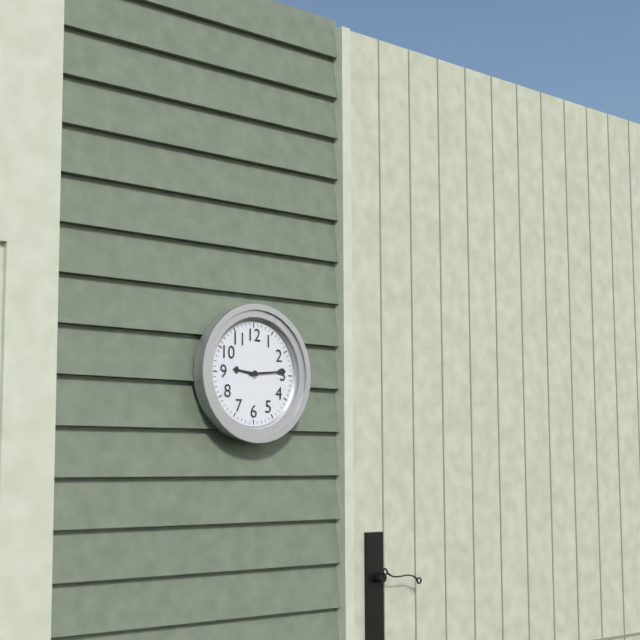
**9:14**
